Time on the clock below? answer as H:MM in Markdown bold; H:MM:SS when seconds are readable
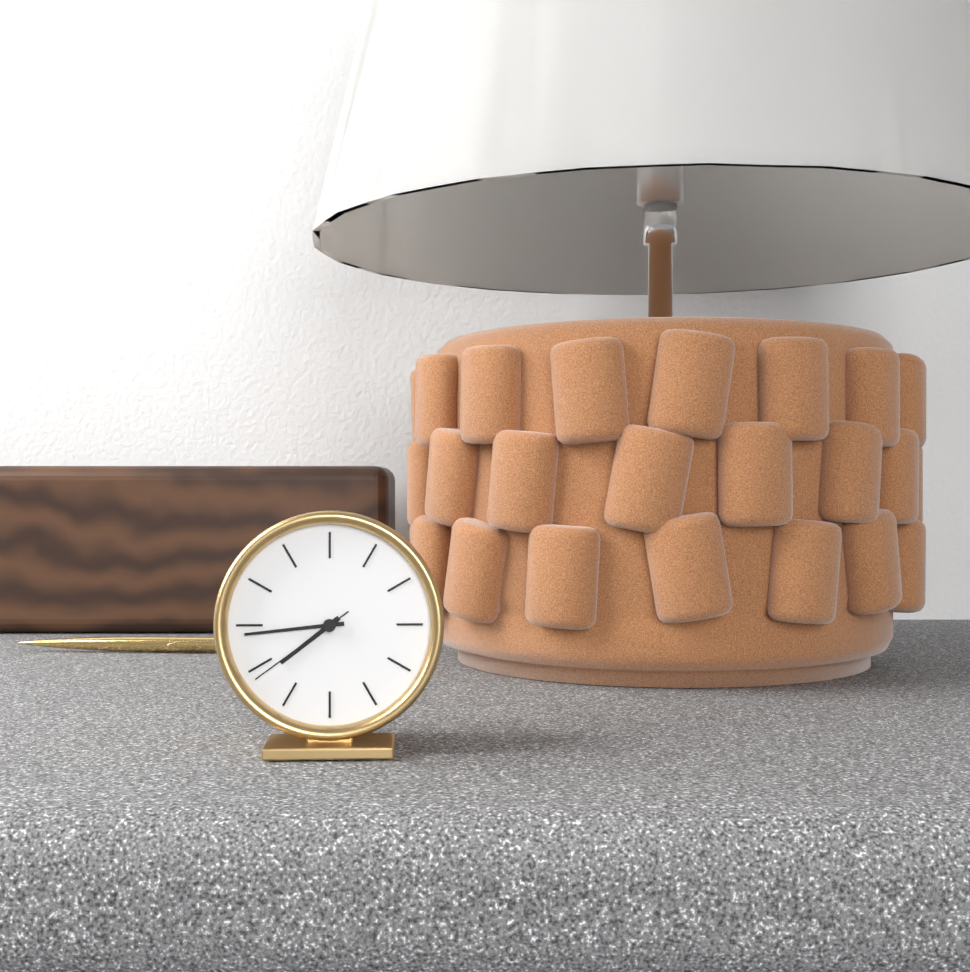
**7:44:39**
